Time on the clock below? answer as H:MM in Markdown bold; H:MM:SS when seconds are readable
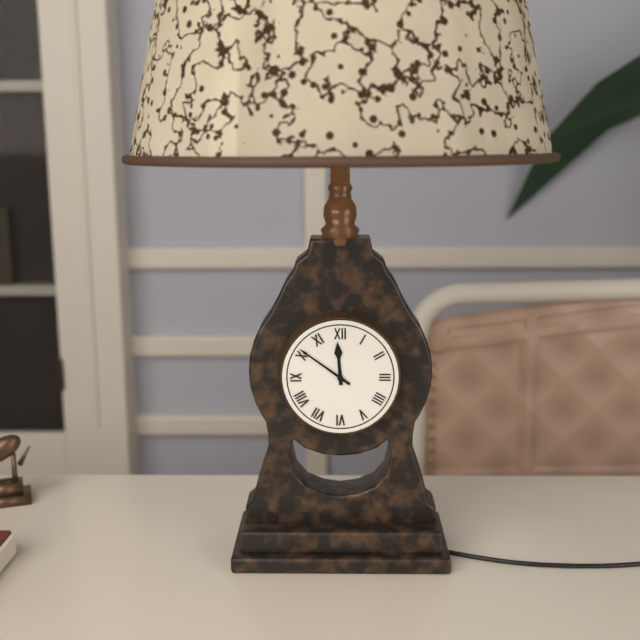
**11:51**
